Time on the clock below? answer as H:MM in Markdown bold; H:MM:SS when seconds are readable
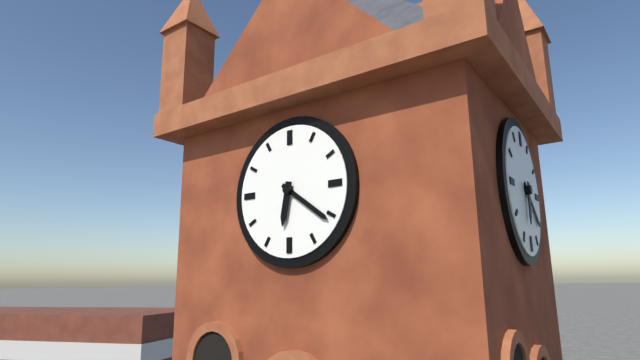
**6:21**
